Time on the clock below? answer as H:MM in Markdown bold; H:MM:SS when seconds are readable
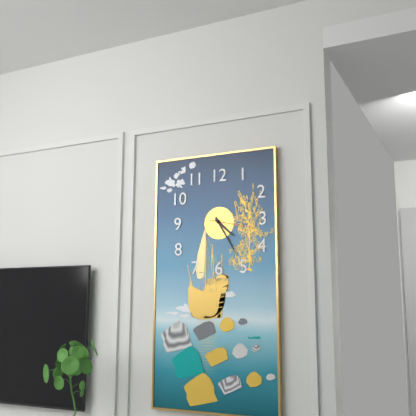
**4:25**
